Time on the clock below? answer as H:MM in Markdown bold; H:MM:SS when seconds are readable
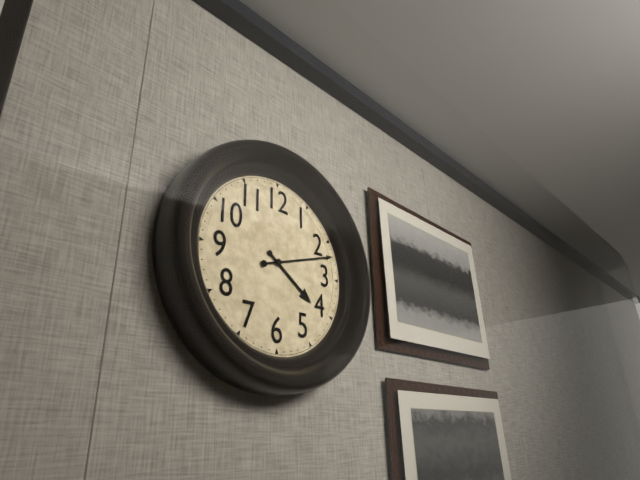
**4:12**
